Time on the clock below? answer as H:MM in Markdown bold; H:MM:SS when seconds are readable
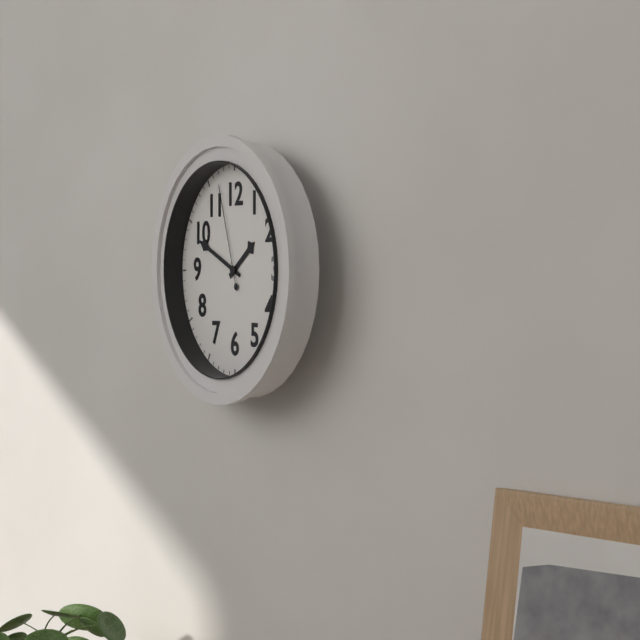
**1:49:57**
